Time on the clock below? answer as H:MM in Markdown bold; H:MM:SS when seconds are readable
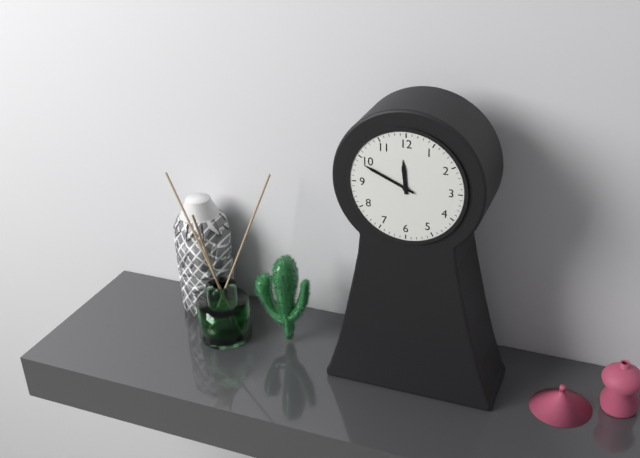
**11:49**
